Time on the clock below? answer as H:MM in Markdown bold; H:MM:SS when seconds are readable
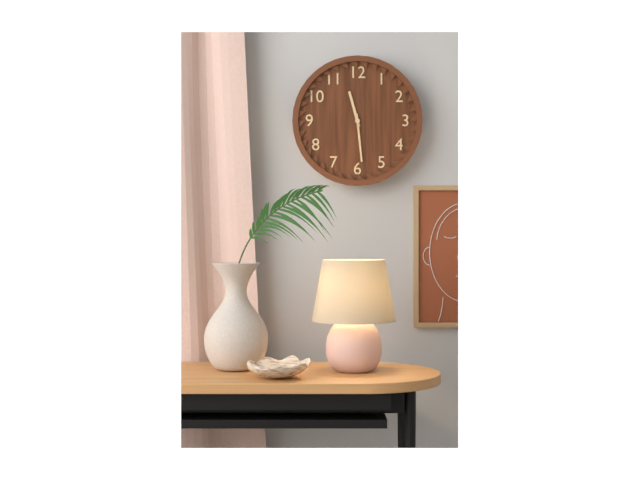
**11:29**
